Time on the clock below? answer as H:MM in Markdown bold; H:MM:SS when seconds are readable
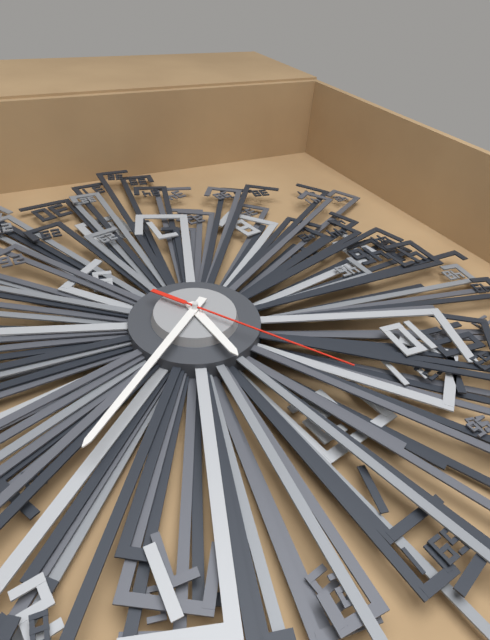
**12:10:56**
